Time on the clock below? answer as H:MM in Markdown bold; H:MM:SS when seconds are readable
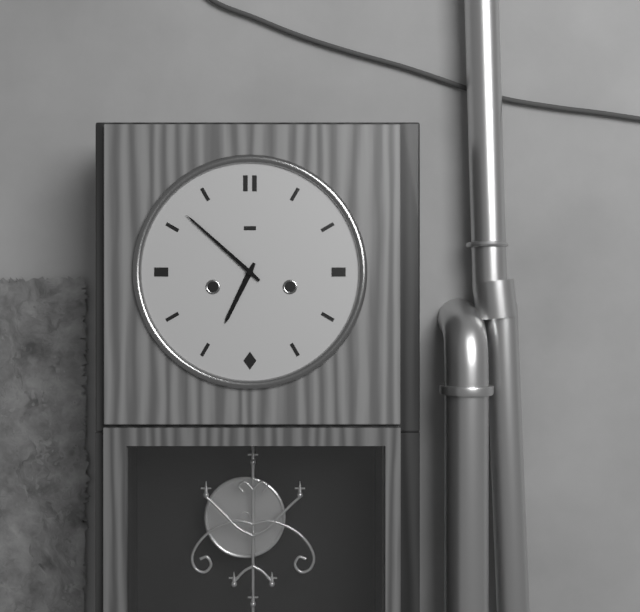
**6:52**
